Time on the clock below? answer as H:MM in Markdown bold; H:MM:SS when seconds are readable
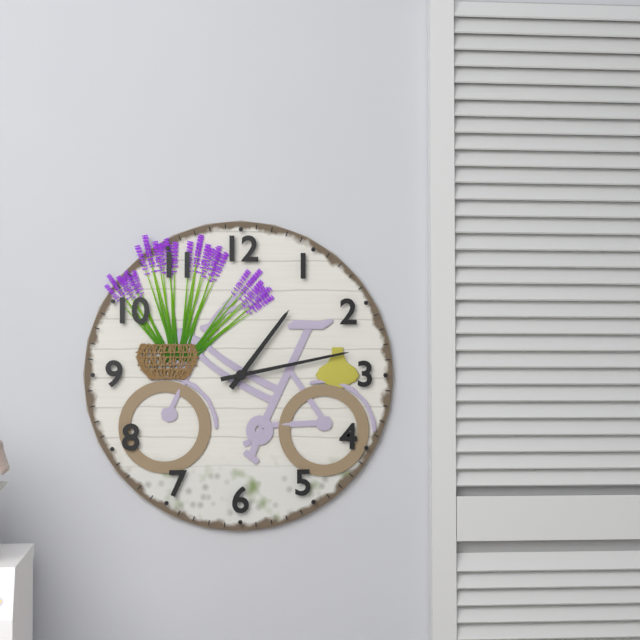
**1:13**
